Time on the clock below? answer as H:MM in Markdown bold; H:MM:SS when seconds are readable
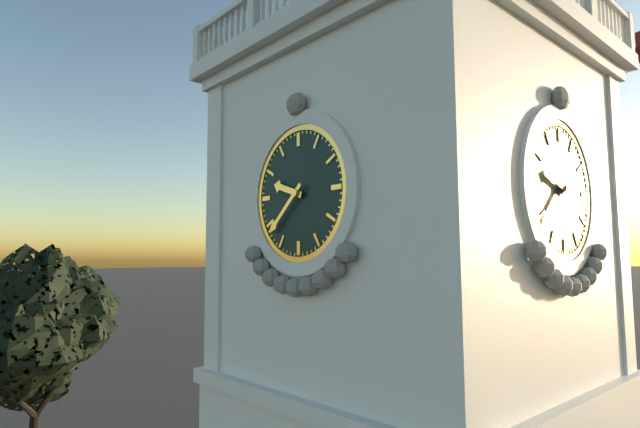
**9:38**
